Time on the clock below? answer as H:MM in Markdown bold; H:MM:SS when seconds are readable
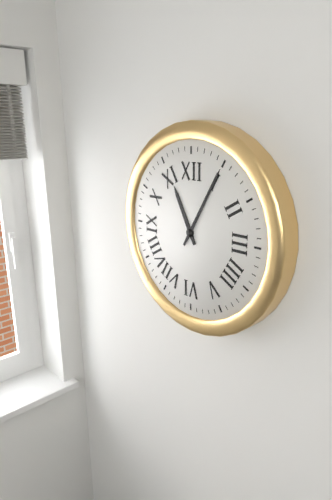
**11:05**
